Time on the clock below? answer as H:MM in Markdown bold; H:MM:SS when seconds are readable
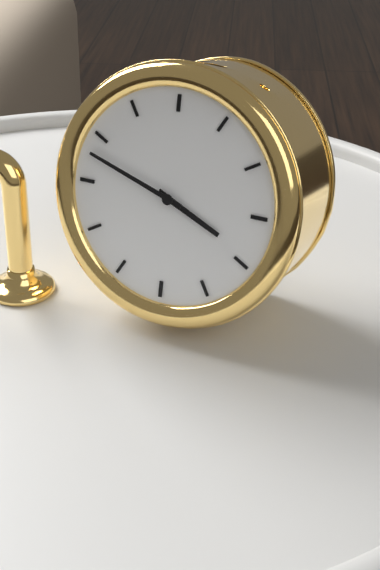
**3:48**
